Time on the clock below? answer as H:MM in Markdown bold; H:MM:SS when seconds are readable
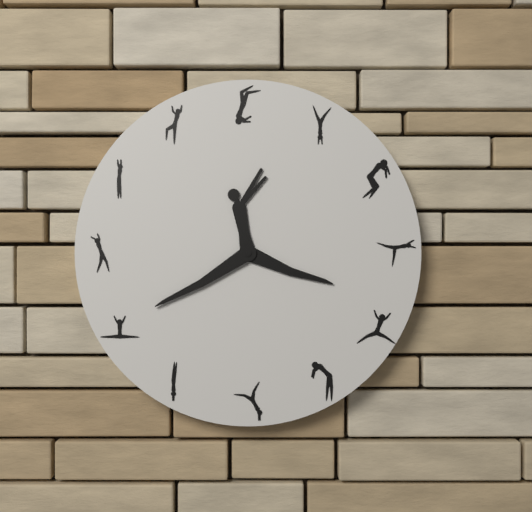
**3:40**
